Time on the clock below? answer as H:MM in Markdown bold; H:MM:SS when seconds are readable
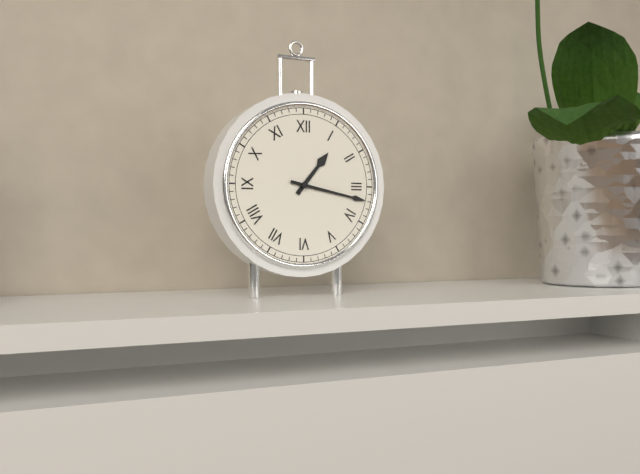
**1:17**
